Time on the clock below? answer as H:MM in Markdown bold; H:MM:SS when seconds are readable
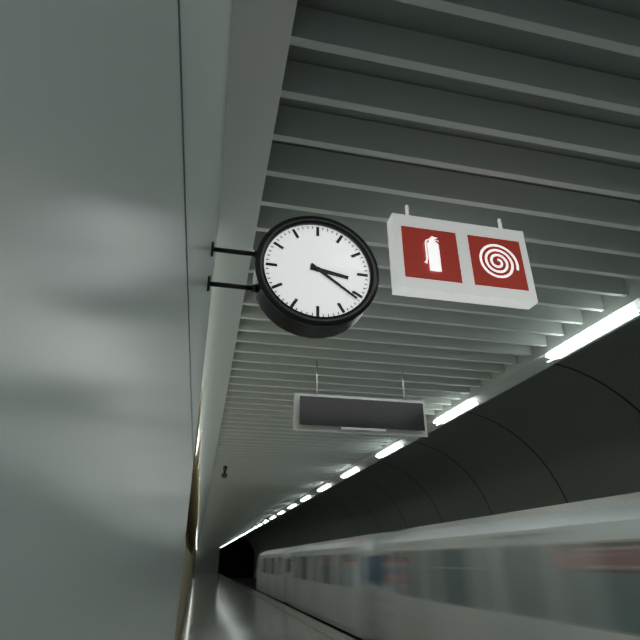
**3:21**
